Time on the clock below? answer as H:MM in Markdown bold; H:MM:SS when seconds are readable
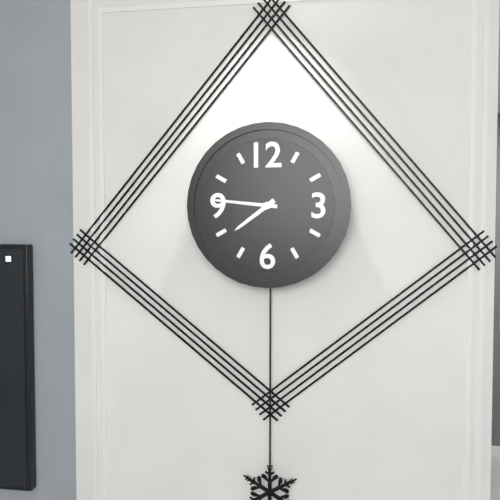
**7:46**
